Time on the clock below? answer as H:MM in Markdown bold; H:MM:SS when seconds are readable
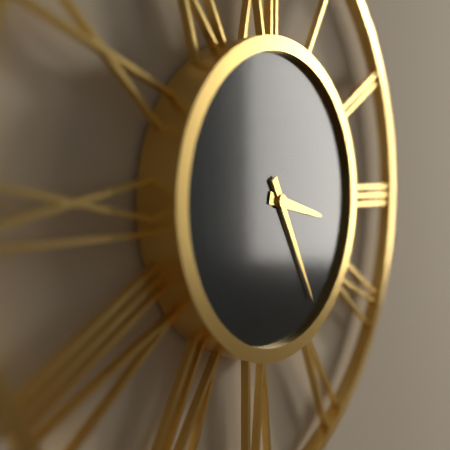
**3:25**
